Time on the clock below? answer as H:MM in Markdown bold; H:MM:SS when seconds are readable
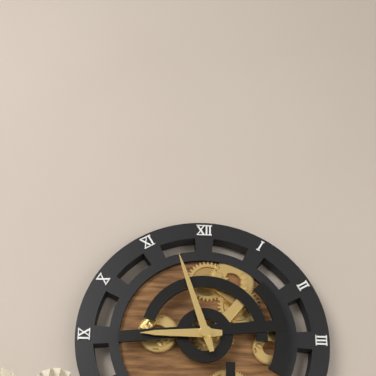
**8:57**
